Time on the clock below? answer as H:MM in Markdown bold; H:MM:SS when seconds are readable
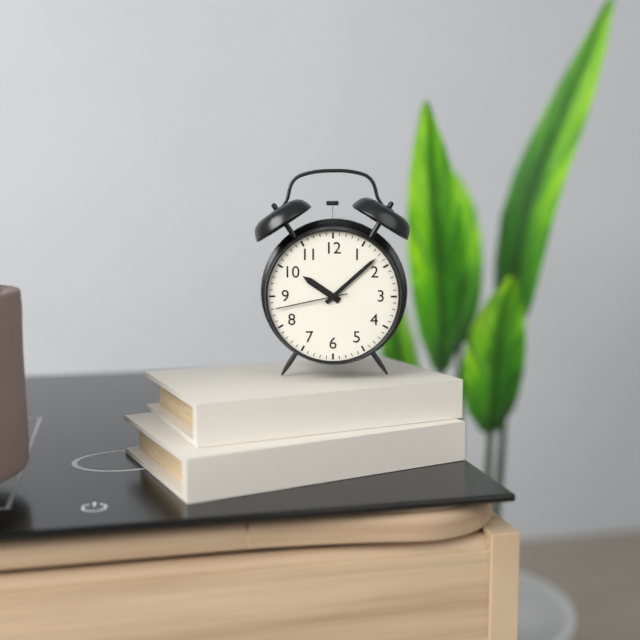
**10:08:43**
